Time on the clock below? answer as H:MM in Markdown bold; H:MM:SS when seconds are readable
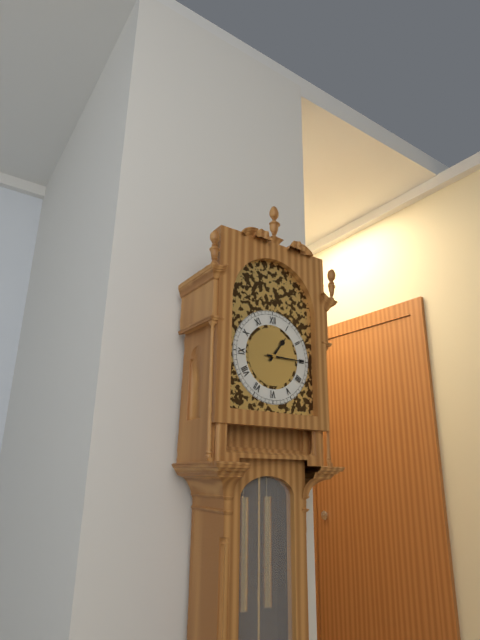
**1:15**
